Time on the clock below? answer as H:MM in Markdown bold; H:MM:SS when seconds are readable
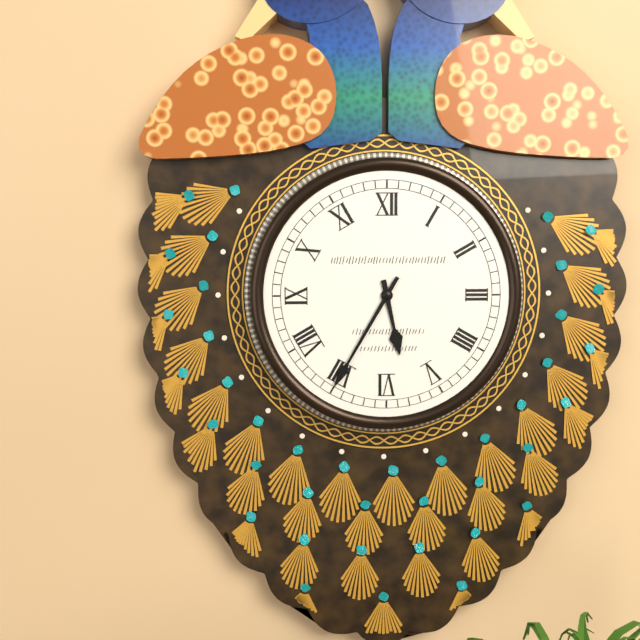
**5:35**
